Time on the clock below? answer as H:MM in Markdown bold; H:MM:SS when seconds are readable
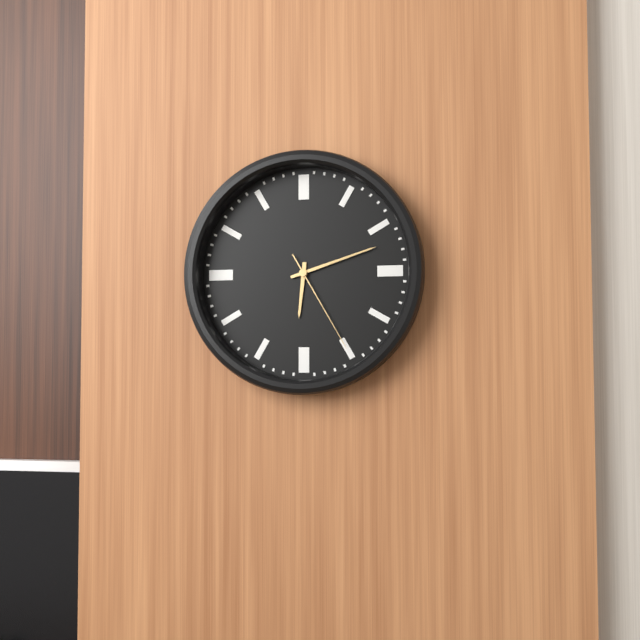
**6:12:25**
